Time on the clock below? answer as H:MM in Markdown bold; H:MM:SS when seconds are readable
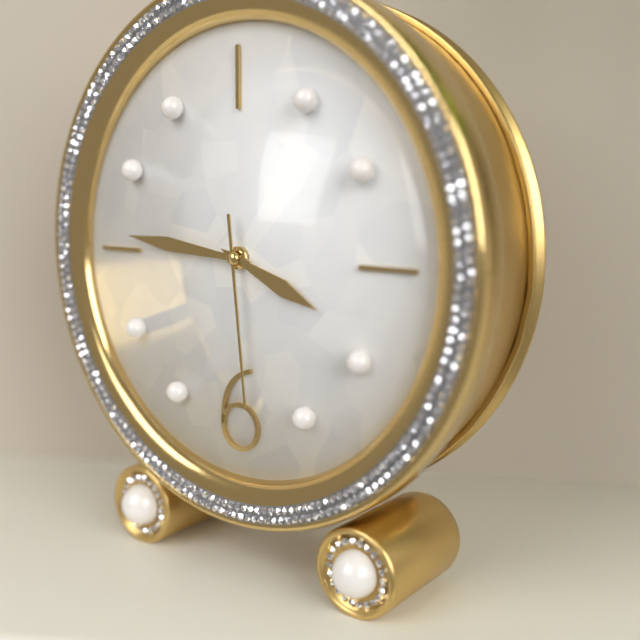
**3:46:29**
